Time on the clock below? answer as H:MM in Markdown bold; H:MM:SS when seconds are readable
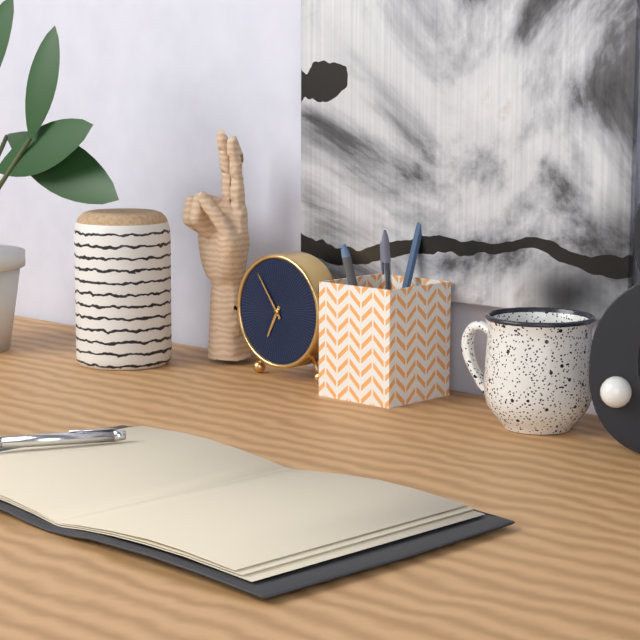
**6:54**
